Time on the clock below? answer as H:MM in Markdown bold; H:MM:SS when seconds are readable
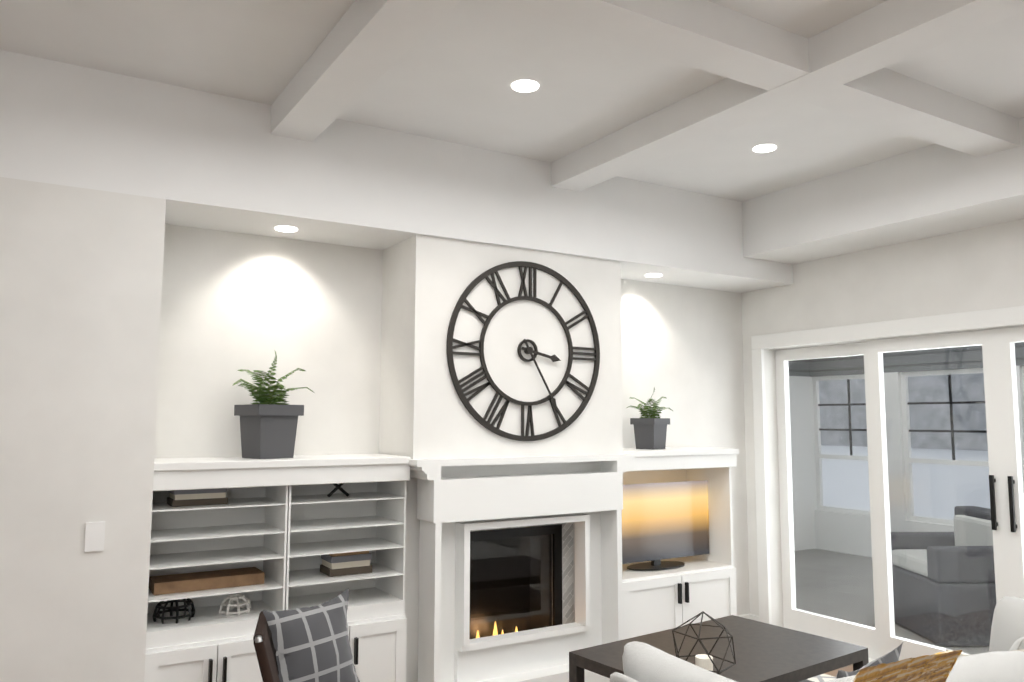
**3:25**
